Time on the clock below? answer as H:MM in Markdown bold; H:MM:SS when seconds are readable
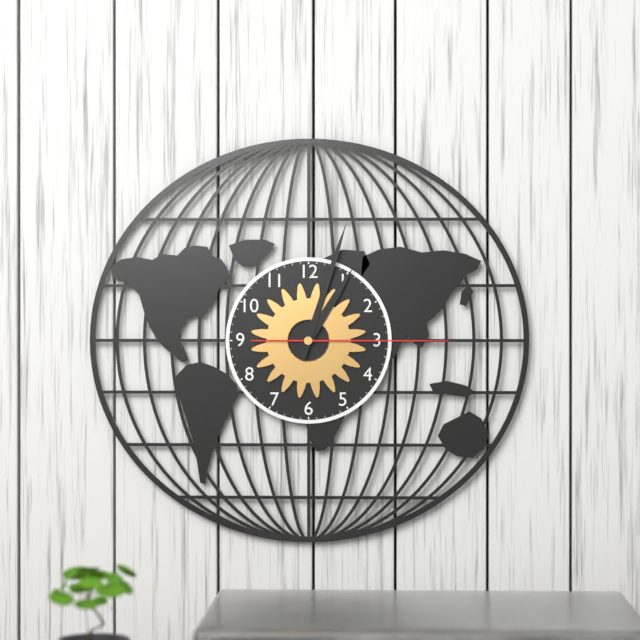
**1:03:15**
